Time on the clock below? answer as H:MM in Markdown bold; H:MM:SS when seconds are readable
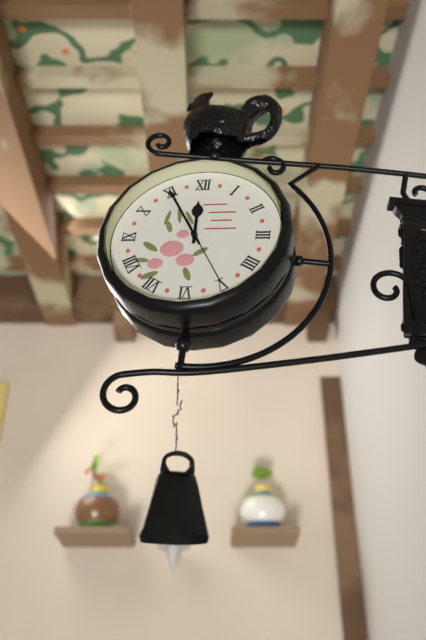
**11:55:25**
